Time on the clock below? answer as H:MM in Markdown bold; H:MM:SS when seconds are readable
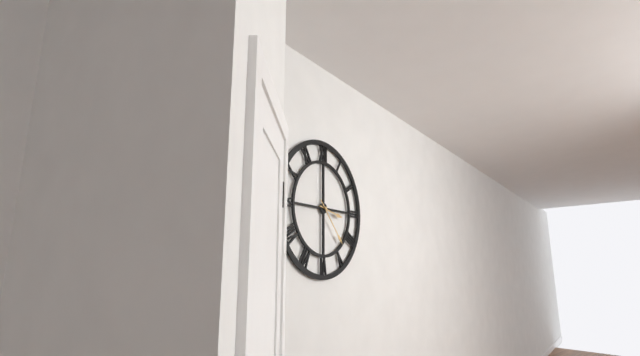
**3:23**
